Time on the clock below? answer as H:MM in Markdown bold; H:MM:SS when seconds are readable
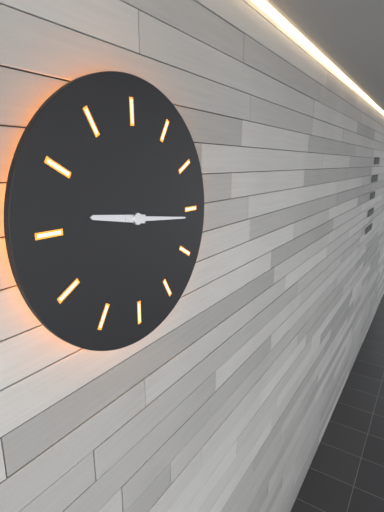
**9:16**
